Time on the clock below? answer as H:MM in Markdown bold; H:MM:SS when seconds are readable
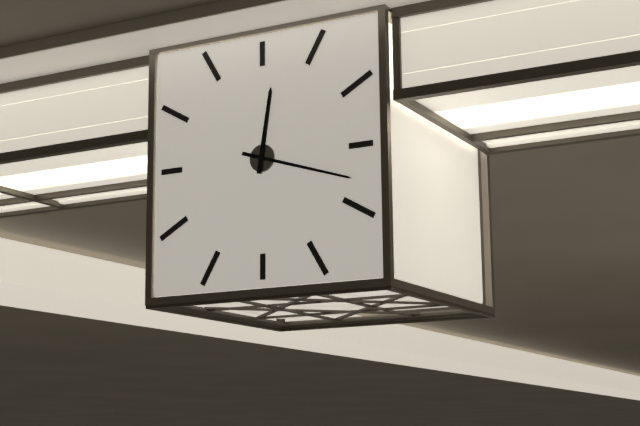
**12:18**
